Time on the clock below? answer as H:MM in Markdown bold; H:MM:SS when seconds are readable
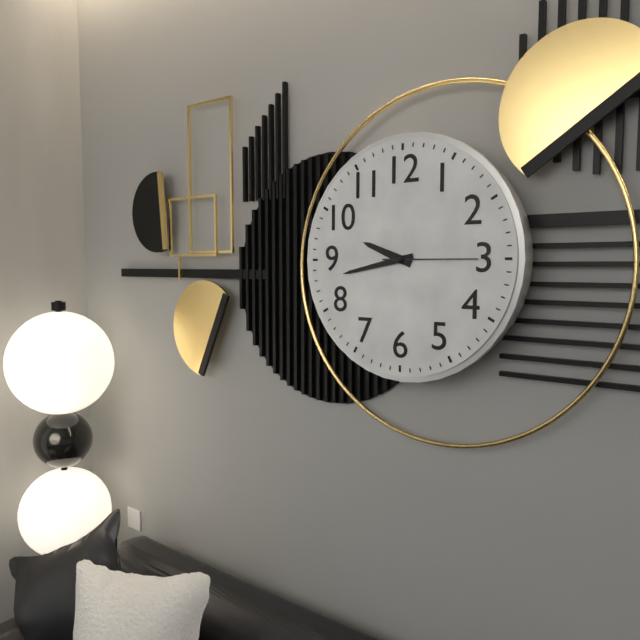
**9:43:15**
